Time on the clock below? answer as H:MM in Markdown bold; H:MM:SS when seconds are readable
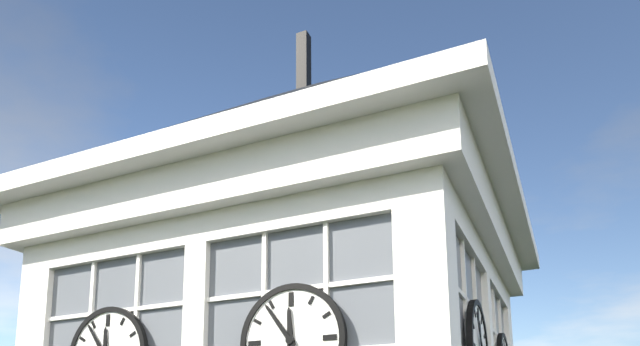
**11:54**
